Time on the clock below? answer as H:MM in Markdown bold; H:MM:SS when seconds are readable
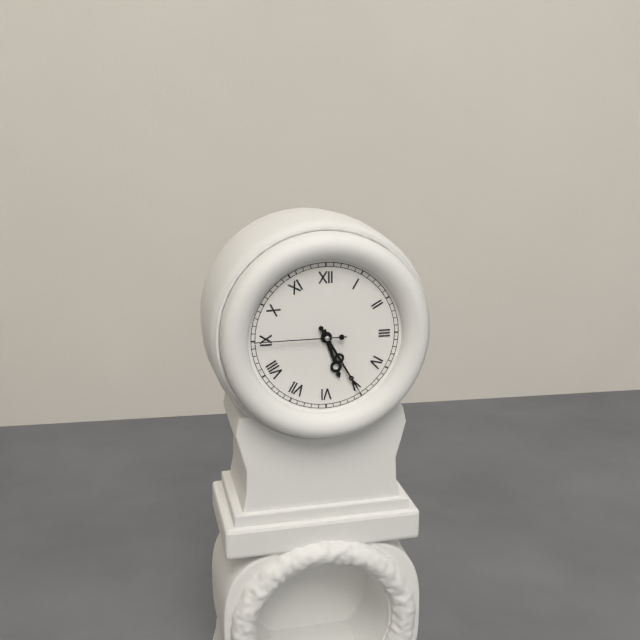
**5:25:45**
